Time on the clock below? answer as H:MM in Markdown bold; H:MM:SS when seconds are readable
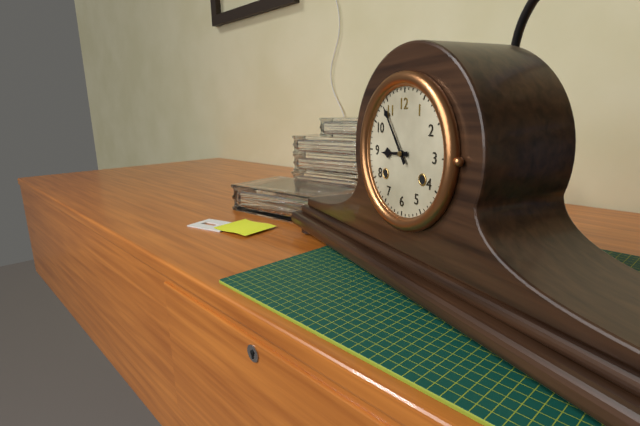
**8:54**
